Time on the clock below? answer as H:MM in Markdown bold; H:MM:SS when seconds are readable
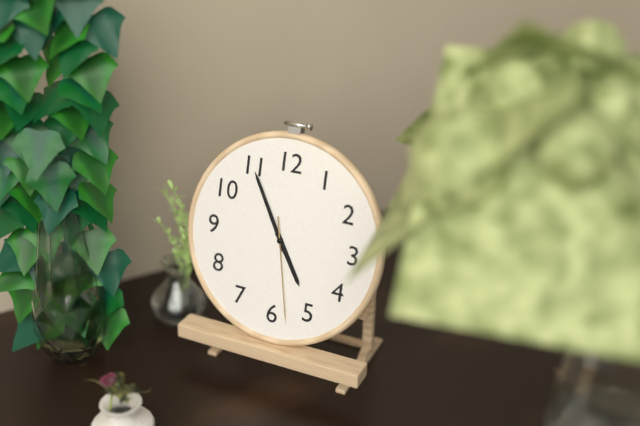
**4:55:28**
